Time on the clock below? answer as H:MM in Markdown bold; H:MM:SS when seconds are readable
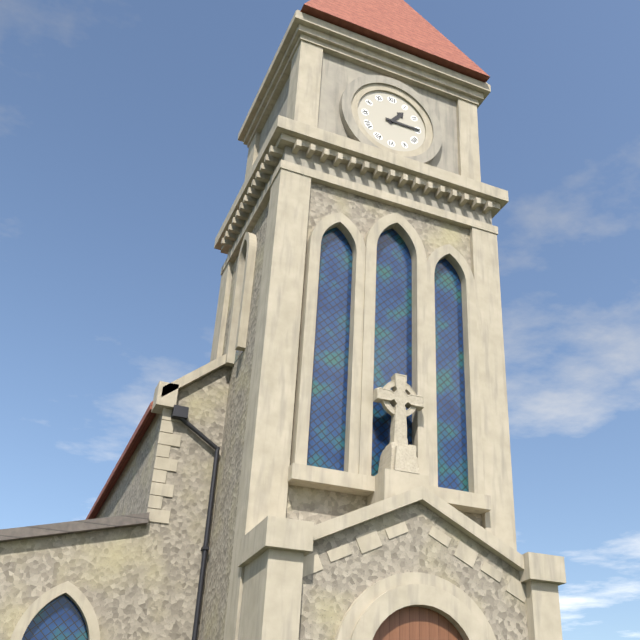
**1:15**
